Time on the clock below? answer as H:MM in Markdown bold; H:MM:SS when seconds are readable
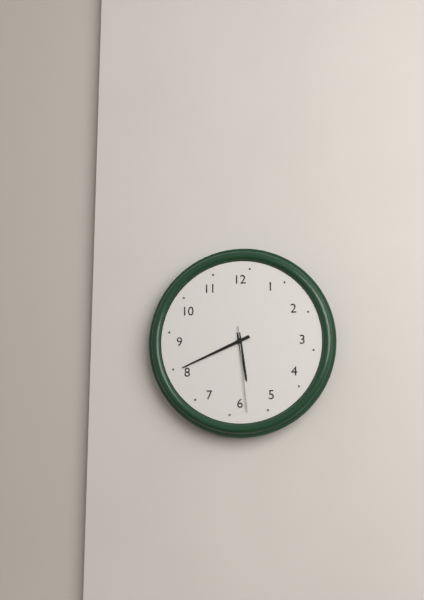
**5:41:29**
